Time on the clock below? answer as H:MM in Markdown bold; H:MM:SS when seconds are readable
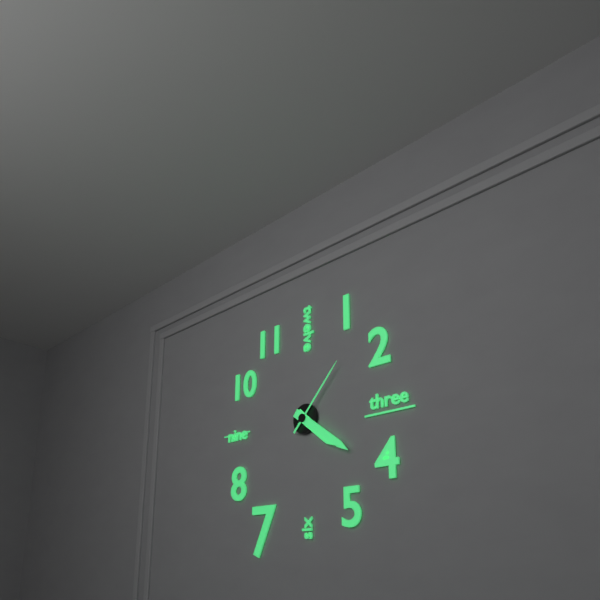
**4:21:07**
